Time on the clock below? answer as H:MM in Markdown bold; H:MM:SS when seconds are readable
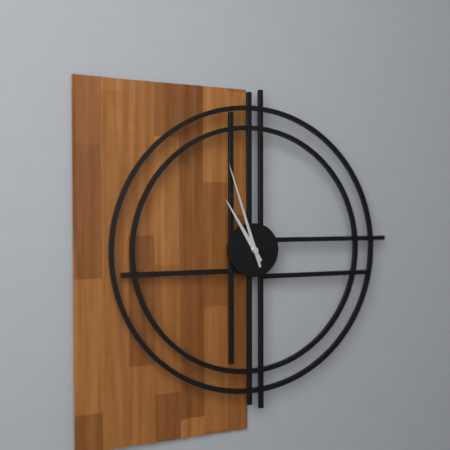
**10:57**
